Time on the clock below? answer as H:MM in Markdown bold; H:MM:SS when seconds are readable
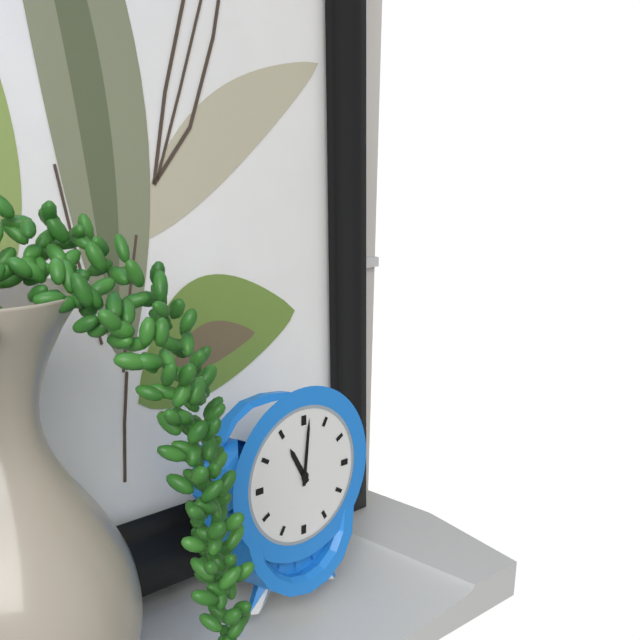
**11:01**
